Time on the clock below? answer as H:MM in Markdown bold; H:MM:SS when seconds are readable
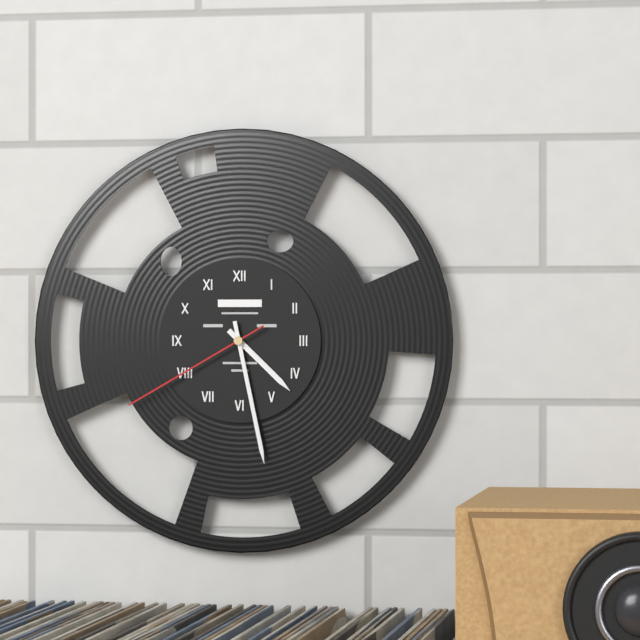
**4:28:40**
